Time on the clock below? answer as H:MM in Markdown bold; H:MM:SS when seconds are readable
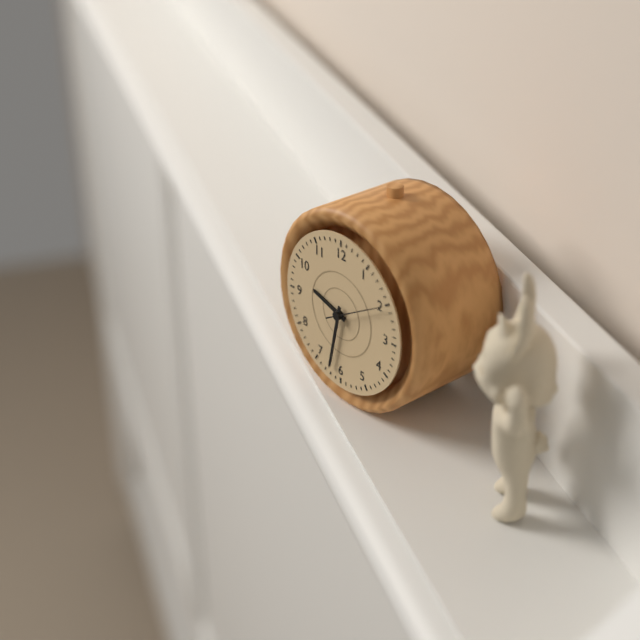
**9:32:10**
